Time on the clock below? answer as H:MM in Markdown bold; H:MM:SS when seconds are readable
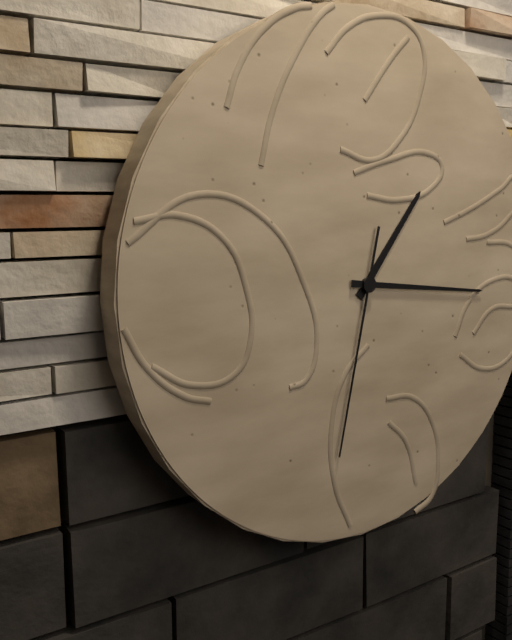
**1:16:32**
